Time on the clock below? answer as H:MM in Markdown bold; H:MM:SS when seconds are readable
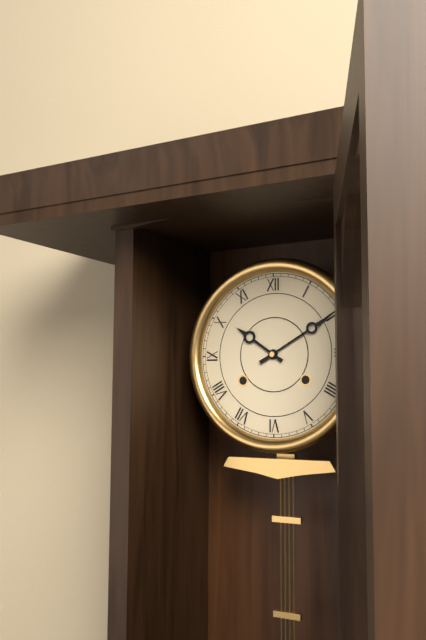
**10:10**
